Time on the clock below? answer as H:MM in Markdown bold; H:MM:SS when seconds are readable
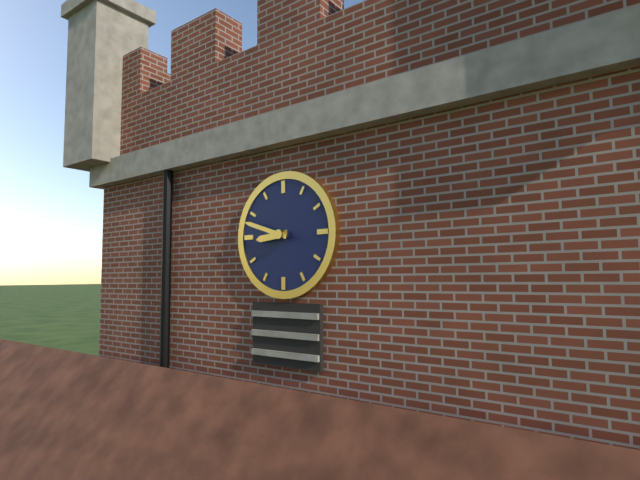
**8:48**
